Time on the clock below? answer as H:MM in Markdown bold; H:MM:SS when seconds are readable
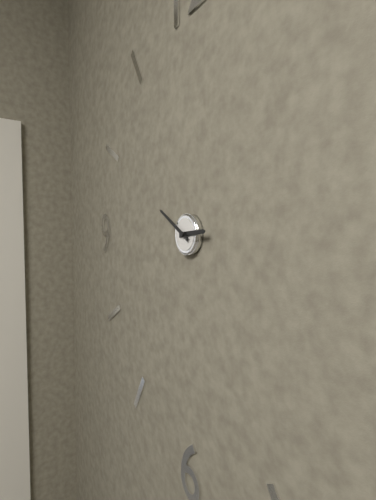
**2:50**
